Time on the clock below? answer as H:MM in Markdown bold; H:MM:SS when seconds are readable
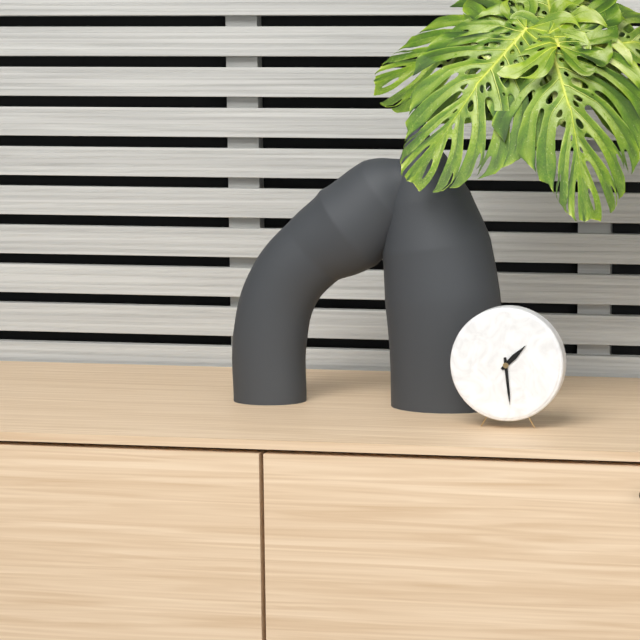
**1:29**
